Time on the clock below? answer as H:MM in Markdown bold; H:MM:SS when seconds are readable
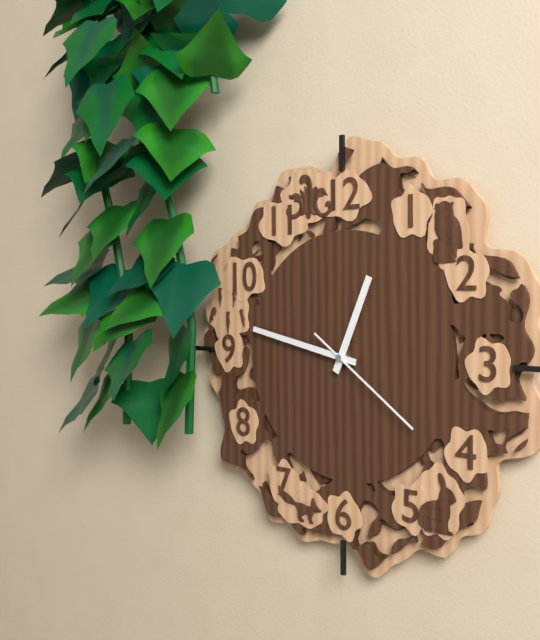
**12:47:21**
